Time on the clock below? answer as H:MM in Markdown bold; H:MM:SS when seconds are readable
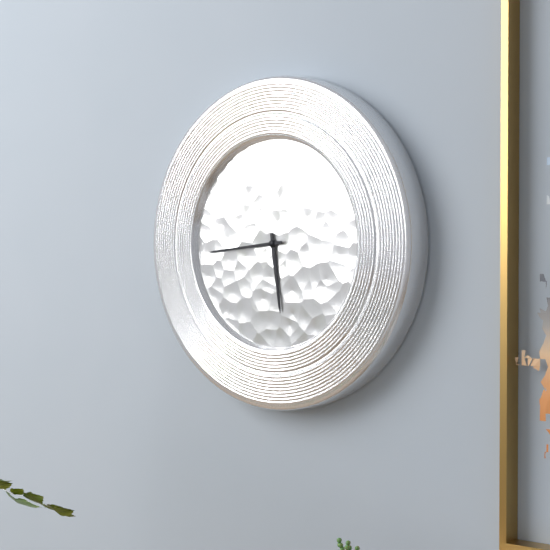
**5:44**
